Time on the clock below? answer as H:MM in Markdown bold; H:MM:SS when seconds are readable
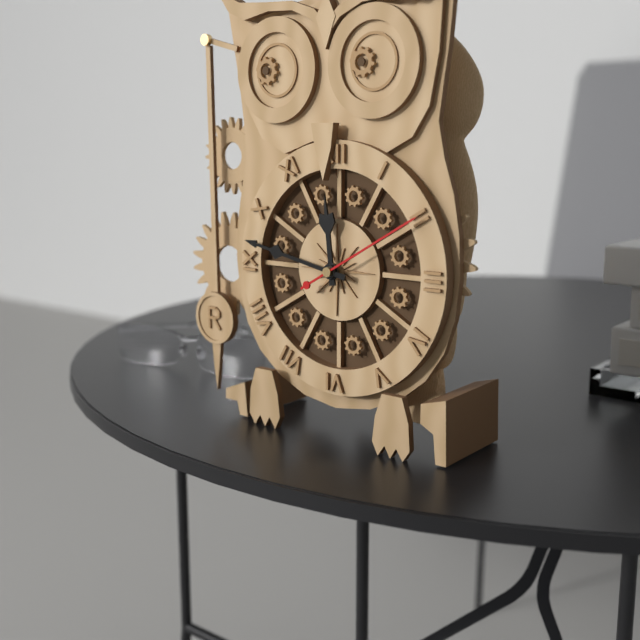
**11:47:10**
